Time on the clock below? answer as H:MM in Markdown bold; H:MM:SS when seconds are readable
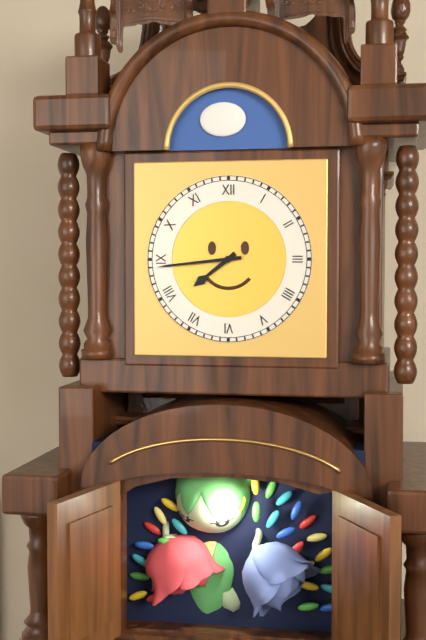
**7:44**
